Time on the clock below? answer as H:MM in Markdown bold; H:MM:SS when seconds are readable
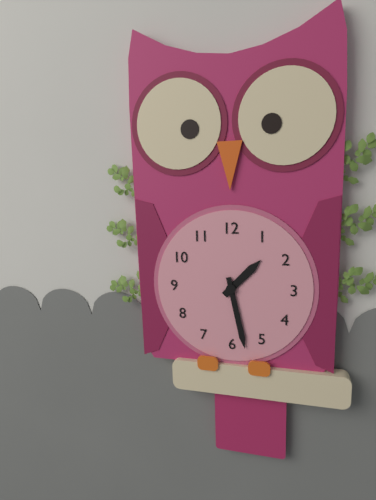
**1:28**
